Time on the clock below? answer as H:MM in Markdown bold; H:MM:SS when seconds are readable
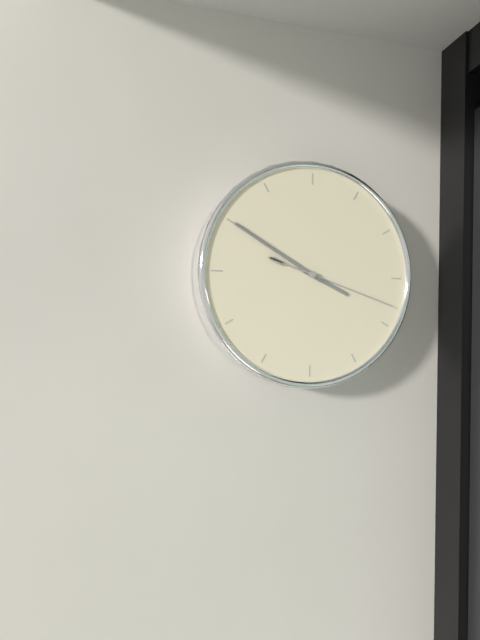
**3:50:18**
